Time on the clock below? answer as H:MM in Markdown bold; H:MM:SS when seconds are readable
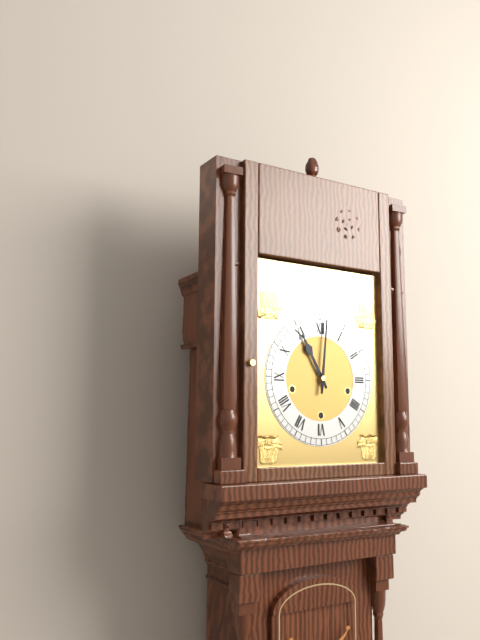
**11:01**
